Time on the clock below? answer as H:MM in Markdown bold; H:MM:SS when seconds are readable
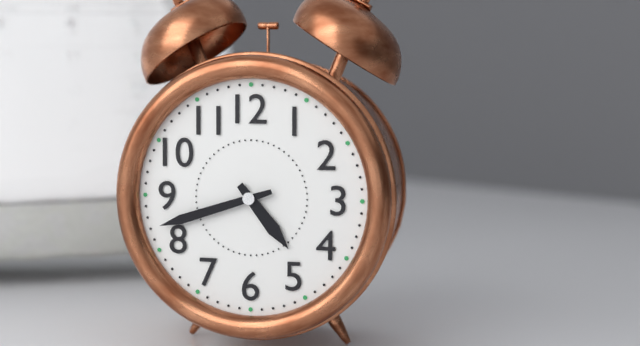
**4:42**
